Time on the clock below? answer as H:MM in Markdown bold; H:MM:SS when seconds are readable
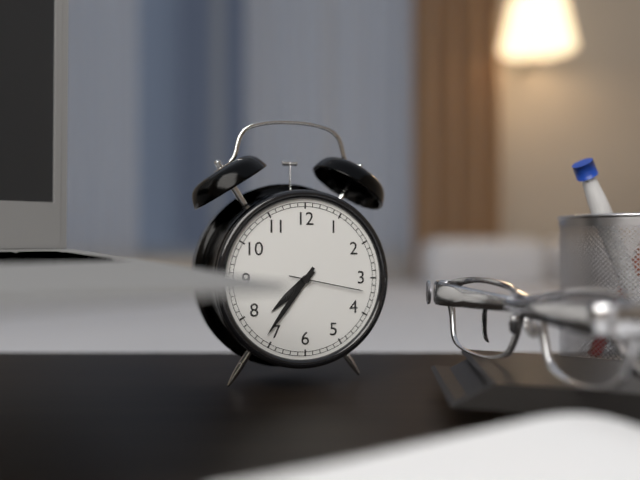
**7:36:17**
